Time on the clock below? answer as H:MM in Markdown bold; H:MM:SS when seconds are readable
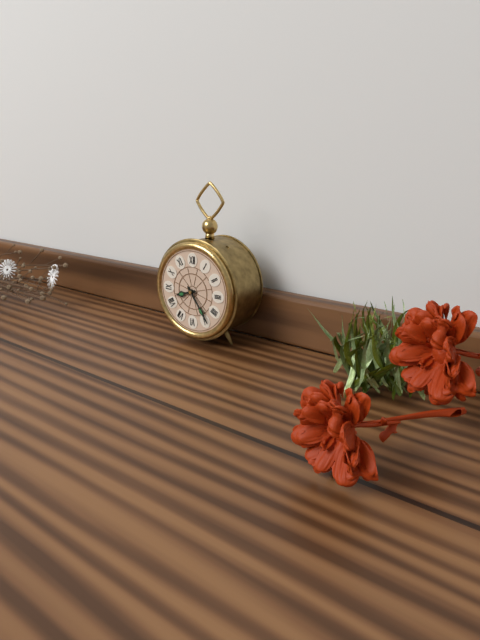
**8:24**
